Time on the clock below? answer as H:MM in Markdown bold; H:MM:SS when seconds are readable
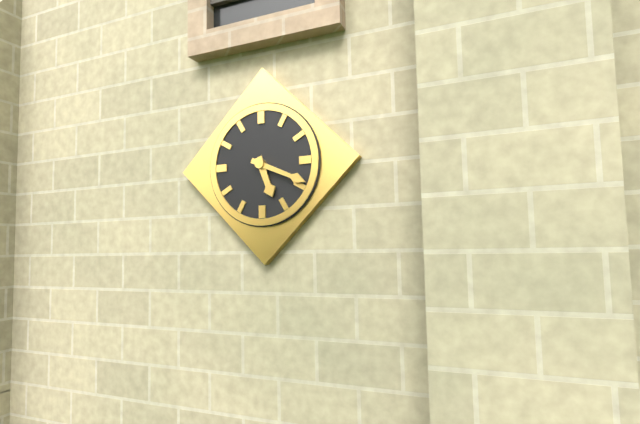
**5:19**
